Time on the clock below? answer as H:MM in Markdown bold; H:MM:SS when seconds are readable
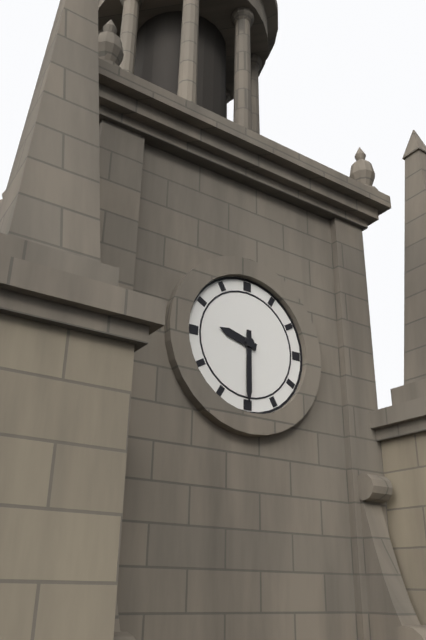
**9:30**
